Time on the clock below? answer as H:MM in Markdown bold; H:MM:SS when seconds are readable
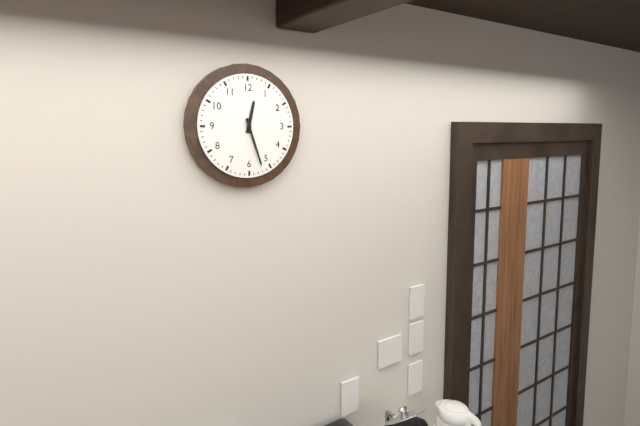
**12:27**
